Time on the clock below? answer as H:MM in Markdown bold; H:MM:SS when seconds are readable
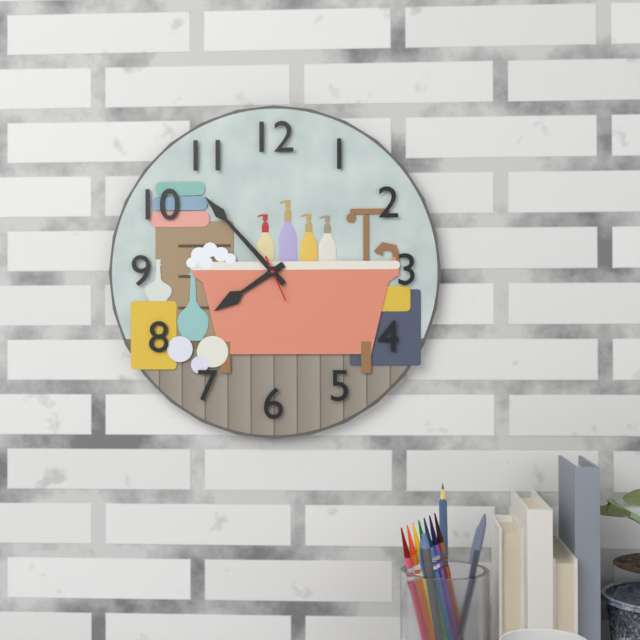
**7:53**
